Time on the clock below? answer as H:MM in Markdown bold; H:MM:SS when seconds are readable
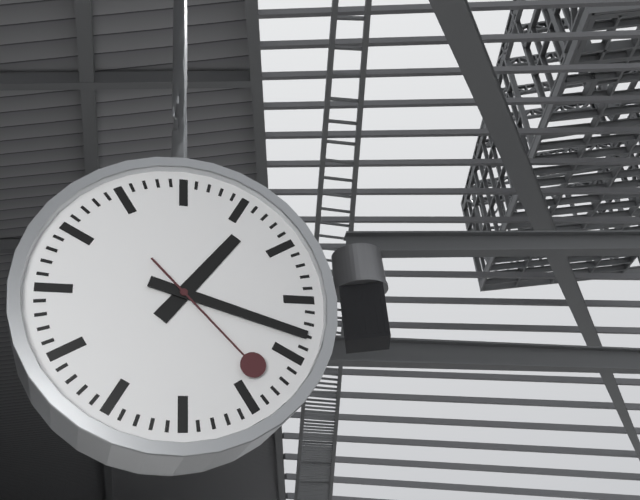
**1:18:23**
